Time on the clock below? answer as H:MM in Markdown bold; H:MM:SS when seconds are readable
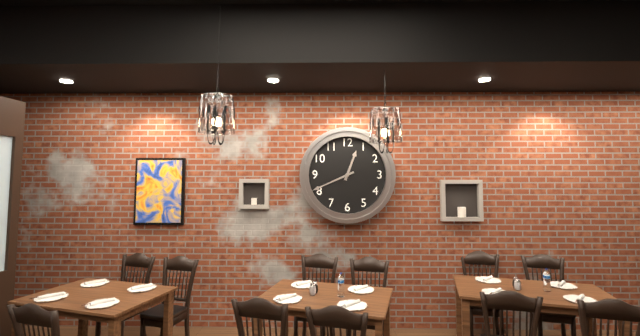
**12:41**
